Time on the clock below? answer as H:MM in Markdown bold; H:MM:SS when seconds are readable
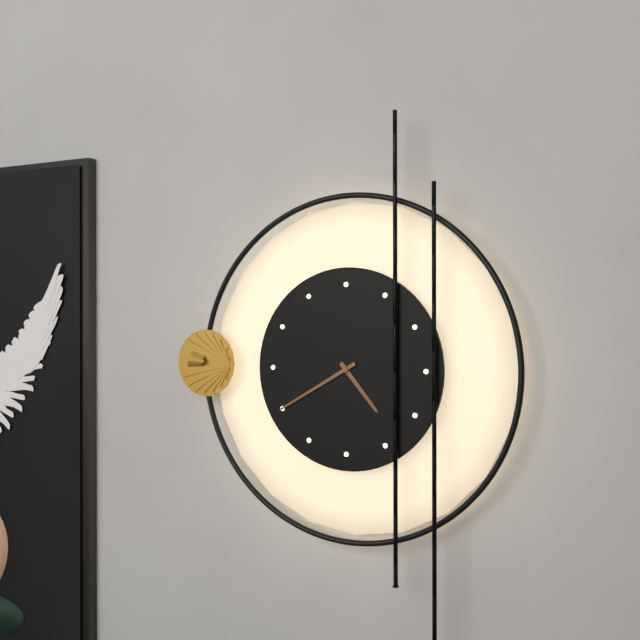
**4:40**
